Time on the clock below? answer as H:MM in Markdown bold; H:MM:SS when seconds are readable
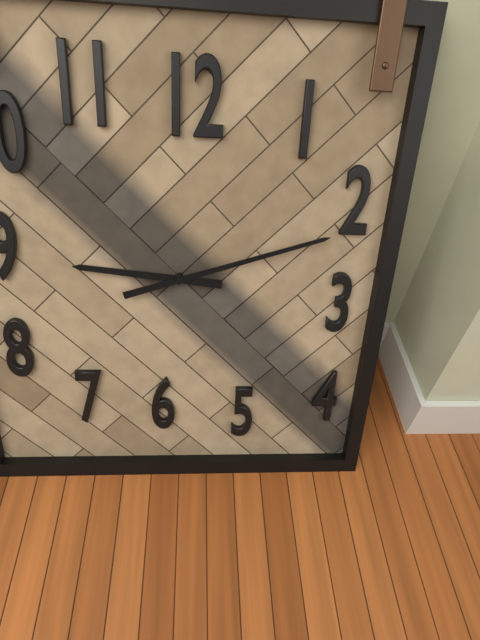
**9:12**
